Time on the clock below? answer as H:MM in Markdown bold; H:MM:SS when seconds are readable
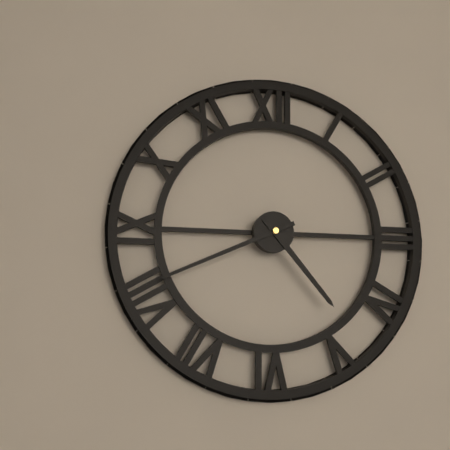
**4:41**
